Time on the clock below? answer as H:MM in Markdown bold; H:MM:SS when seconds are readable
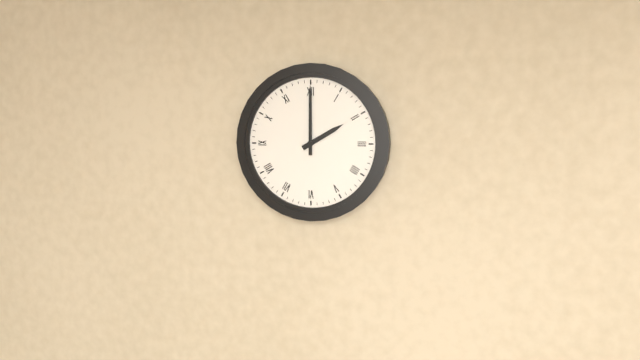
**2:00**
